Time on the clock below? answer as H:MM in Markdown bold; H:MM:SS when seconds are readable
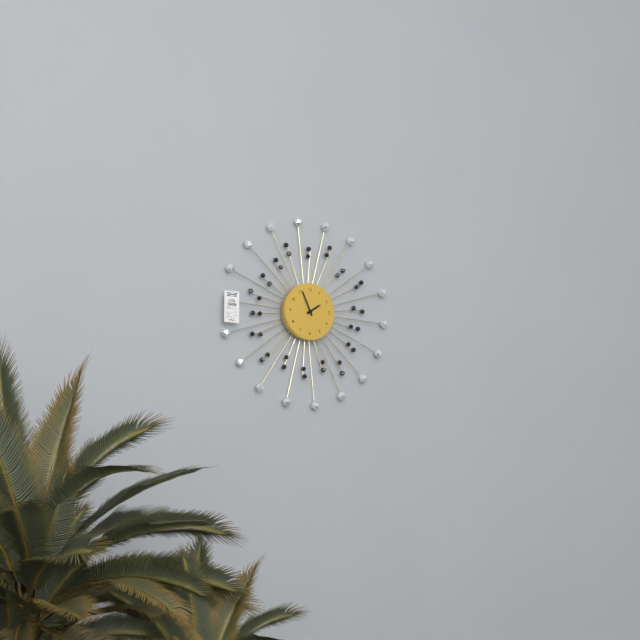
**1:56**
